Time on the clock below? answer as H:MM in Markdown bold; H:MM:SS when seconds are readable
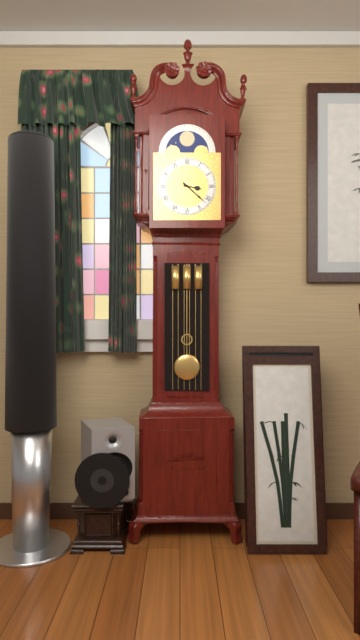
**3:22**
